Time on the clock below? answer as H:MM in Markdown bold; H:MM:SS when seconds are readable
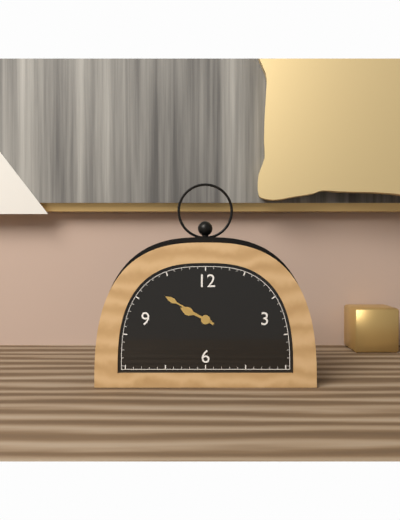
**9:50**
